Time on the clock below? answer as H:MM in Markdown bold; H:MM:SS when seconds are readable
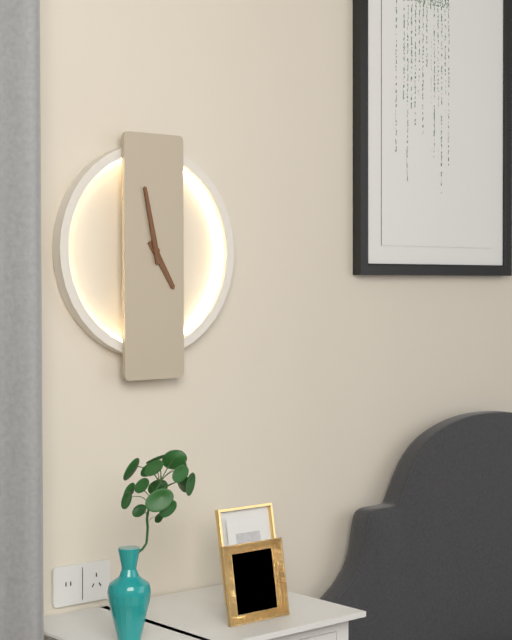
**4:58**
